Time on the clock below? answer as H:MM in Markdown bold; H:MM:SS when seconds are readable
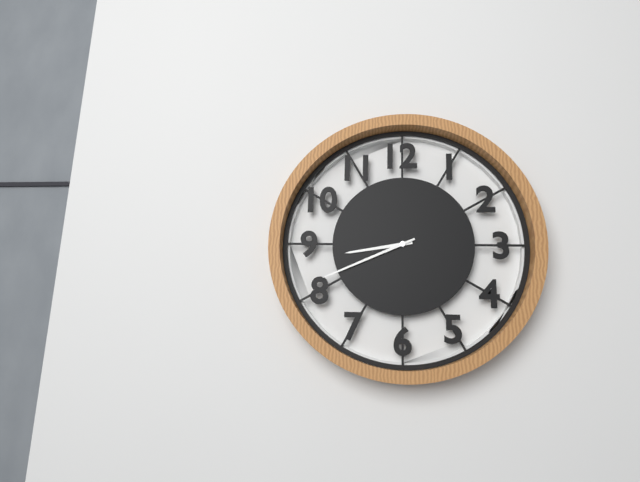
**8:41**
